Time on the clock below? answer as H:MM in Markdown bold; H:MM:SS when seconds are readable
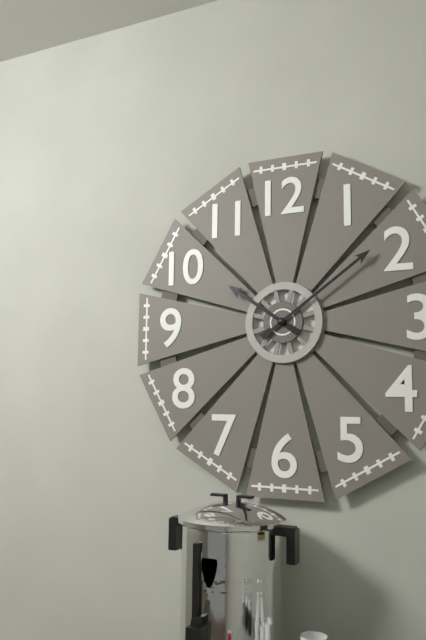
**10:09**
